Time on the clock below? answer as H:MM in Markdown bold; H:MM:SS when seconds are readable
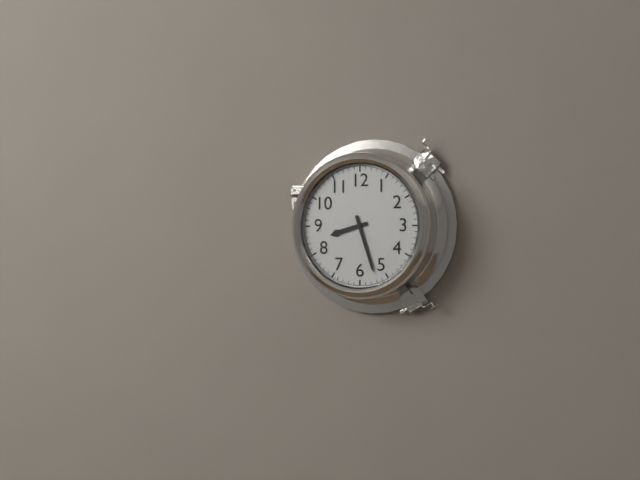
**8:27**
